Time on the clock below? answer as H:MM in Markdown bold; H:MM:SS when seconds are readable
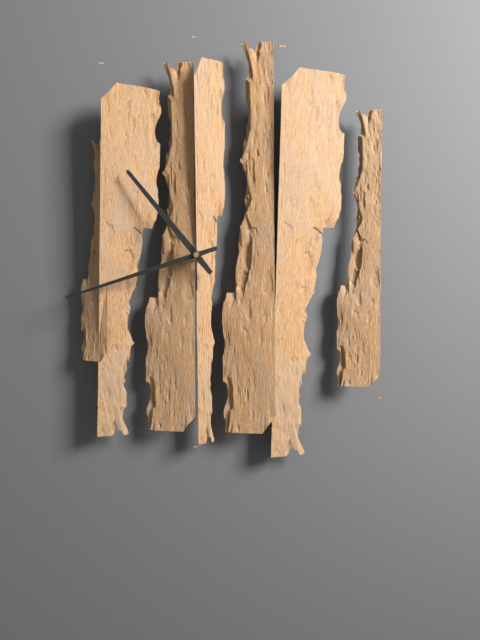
**10:42:00**
